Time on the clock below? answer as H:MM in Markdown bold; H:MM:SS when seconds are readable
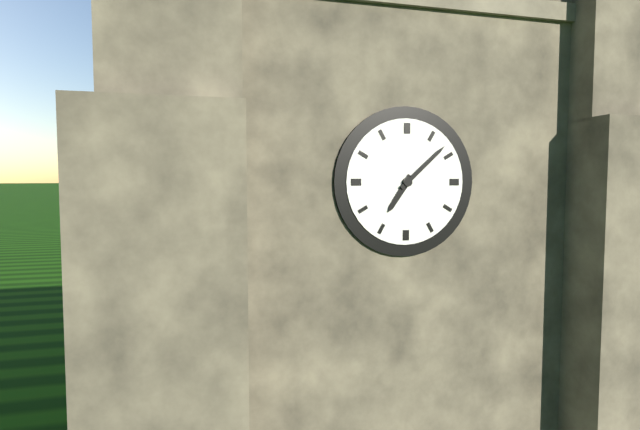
**7:08**
